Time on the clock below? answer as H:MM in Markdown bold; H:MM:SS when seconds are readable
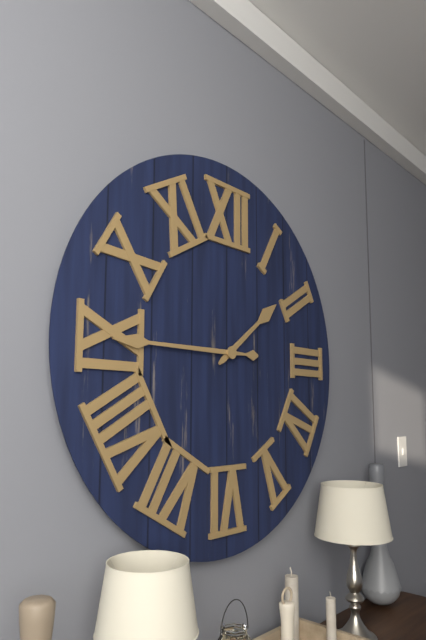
**1:45**
